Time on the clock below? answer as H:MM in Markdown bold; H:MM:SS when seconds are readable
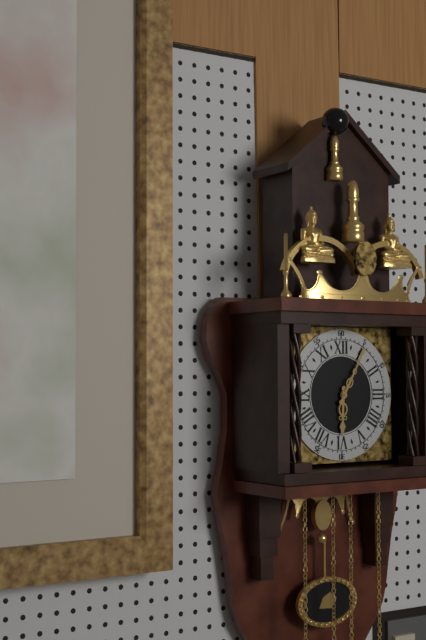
**6:05**
